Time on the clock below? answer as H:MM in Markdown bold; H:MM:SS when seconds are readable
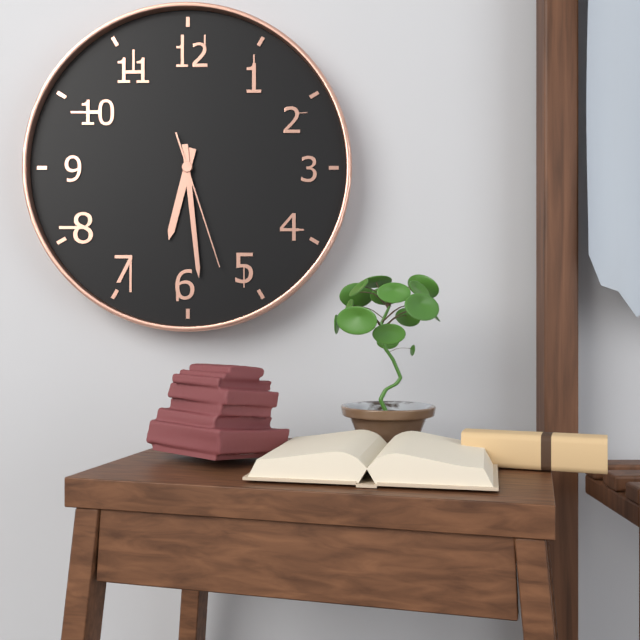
**6:29:27**
